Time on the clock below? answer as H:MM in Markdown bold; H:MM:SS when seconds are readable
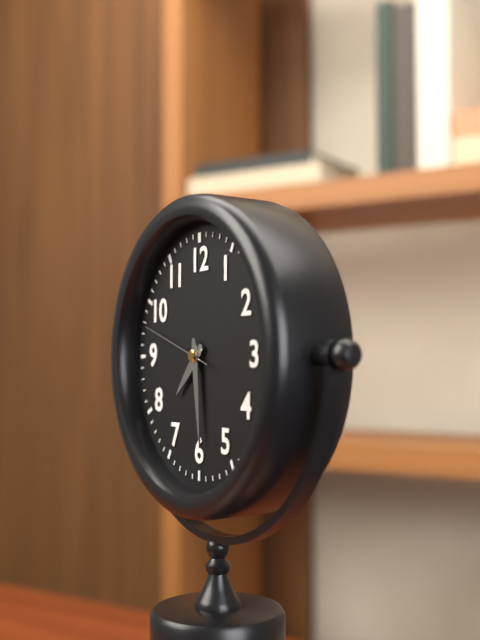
**7:29:48**
